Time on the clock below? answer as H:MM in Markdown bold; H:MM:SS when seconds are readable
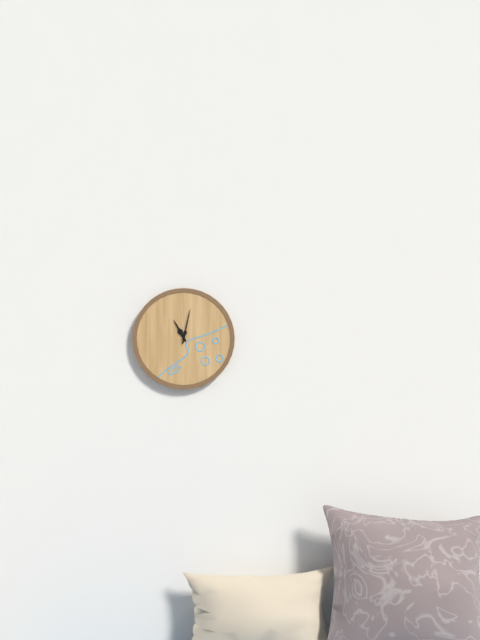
**11:02**
